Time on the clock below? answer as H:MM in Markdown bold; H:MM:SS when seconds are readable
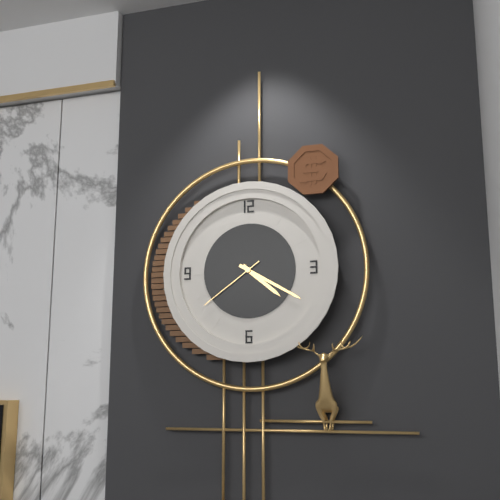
**4:20:39**
